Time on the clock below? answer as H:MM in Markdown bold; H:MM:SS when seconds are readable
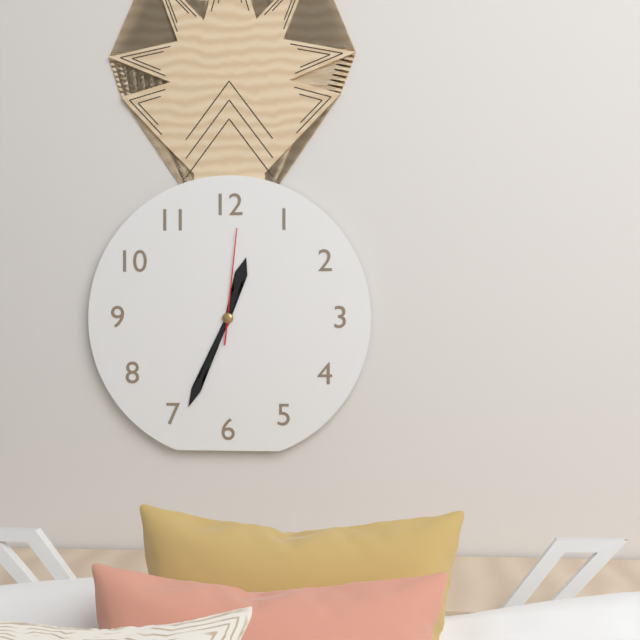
**12:34:01**
